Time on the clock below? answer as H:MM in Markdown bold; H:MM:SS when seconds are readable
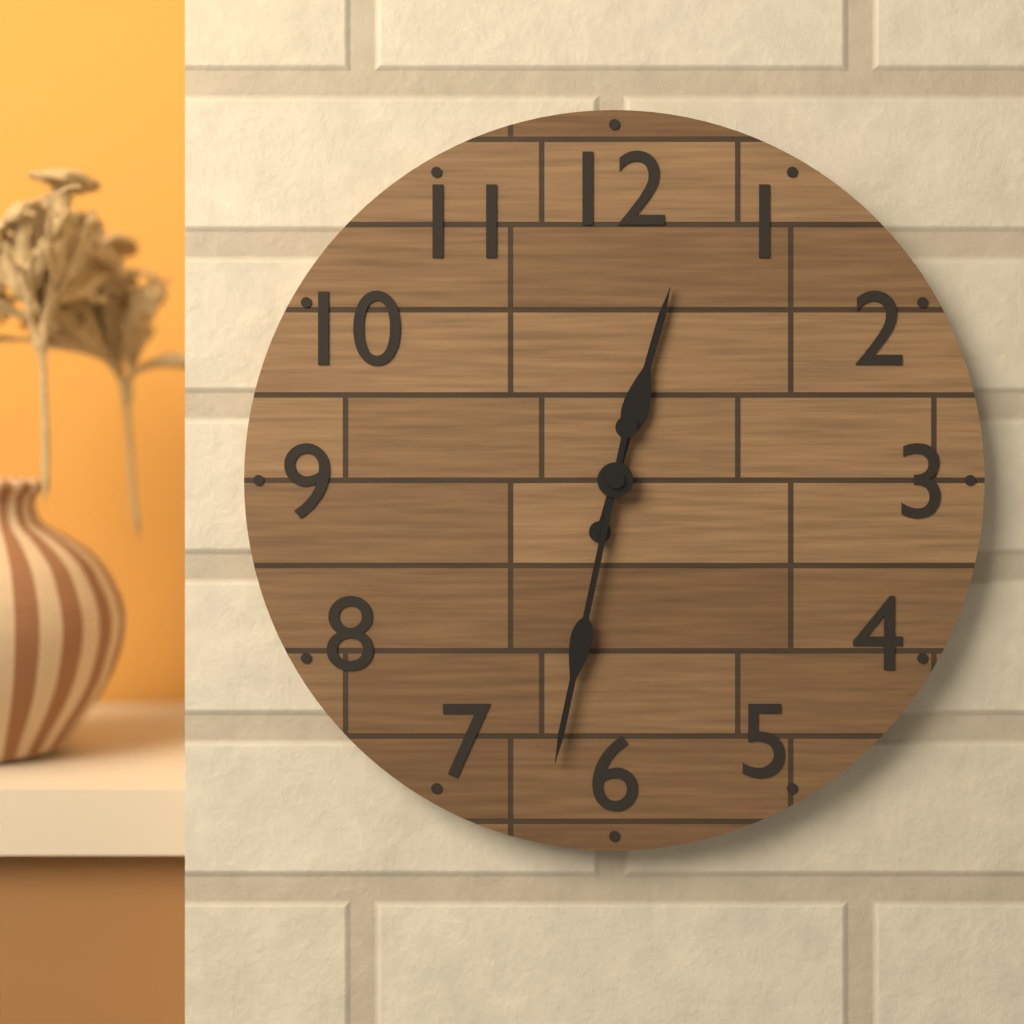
**12:32**
